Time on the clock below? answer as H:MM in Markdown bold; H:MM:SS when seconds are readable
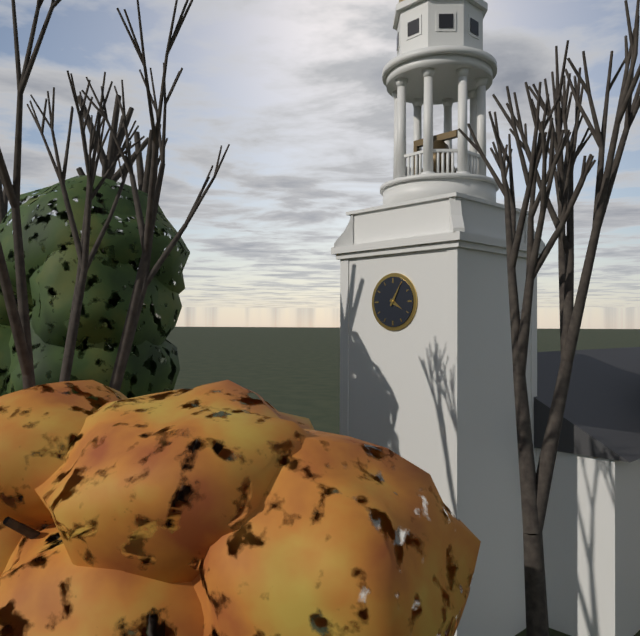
**4:05**
